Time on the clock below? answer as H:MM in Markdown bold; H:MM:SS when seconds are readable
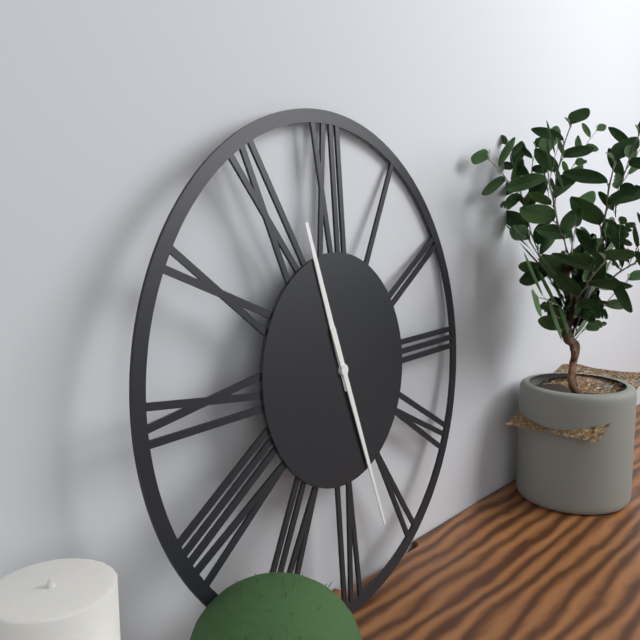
**11:27**
